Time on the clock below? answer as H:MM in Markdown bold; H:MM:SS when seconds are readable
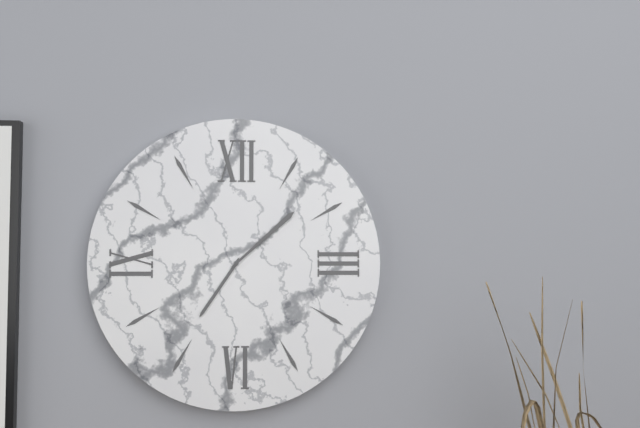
**7:08**
